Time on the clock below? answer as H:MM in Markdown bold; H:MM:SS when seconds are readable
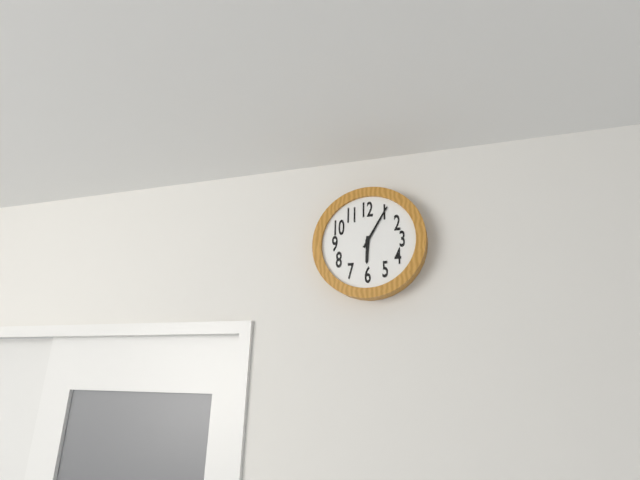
**6:05**
